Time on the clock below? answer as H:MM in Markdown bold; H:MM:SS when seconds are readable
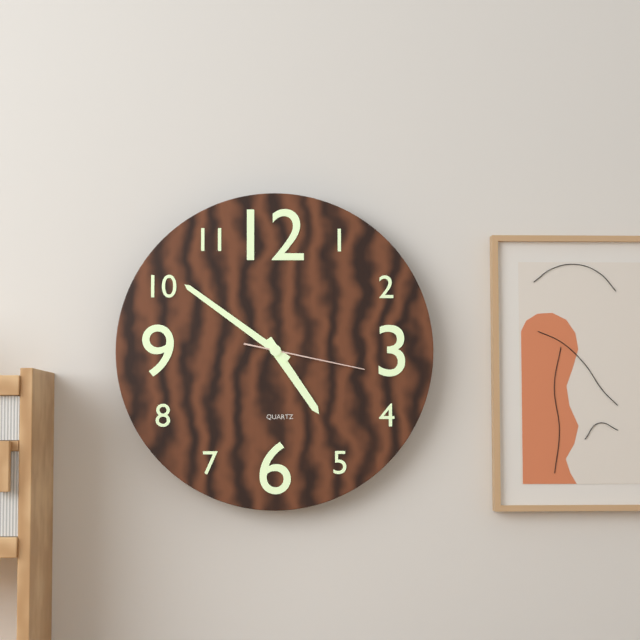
**4:51:17**
